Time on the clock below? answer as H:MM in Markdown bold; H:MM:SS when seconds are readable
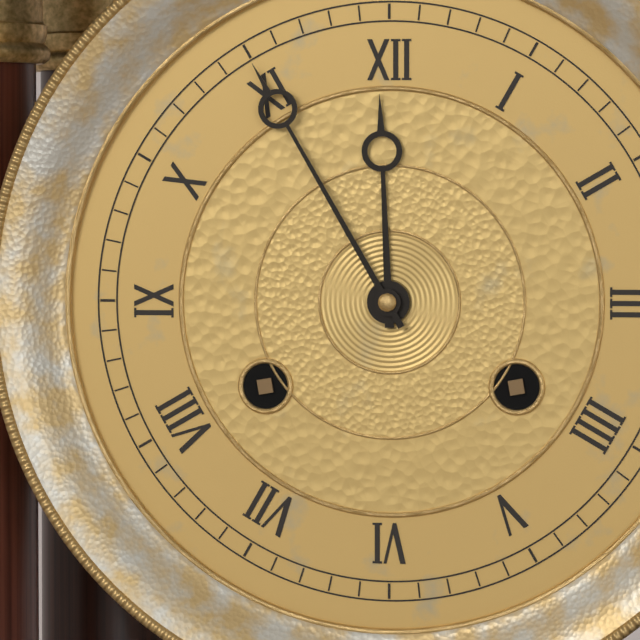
**11:55**
